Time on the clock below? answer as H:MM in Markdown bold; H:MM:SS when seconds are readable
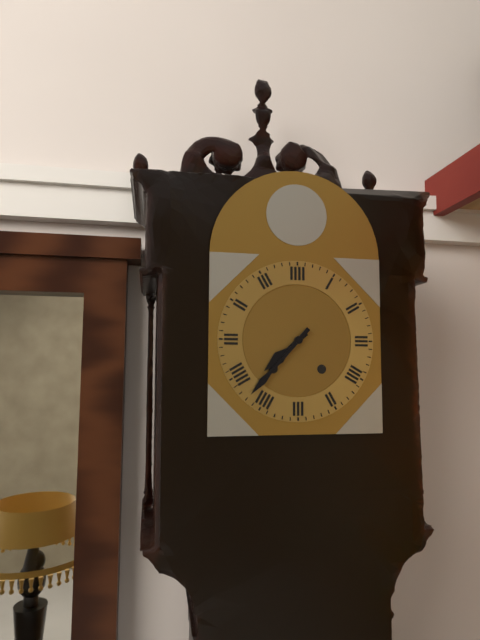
**7:37**
